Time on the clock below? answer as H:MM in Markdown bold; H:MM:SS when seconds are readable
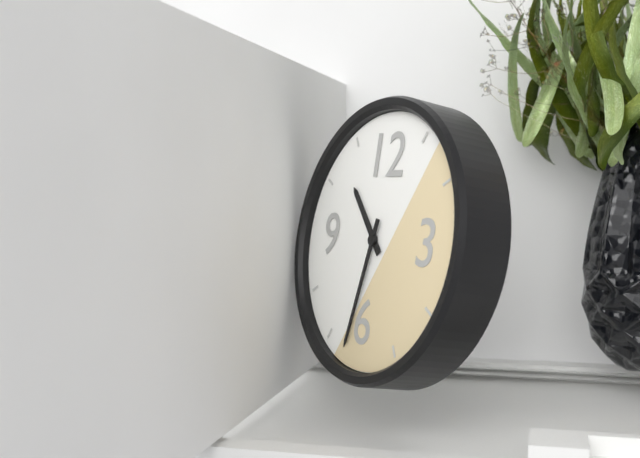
**10:32**
